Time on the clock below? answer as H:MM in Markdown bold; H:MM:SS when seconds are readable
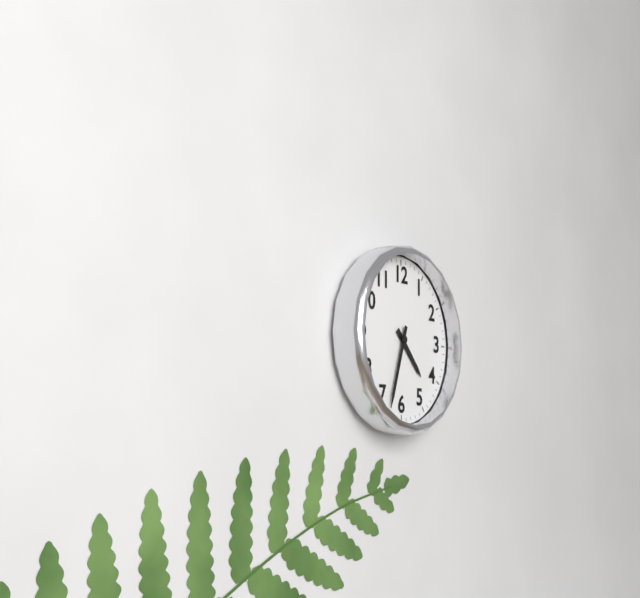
**4:33**
